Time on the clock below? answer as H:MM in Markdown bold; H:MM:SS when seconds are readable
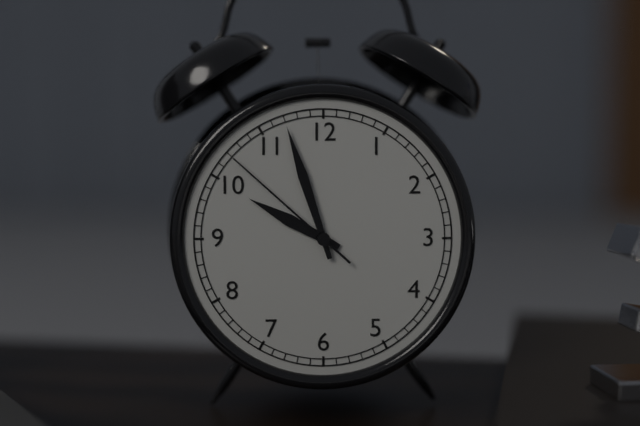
**9:57:52**
